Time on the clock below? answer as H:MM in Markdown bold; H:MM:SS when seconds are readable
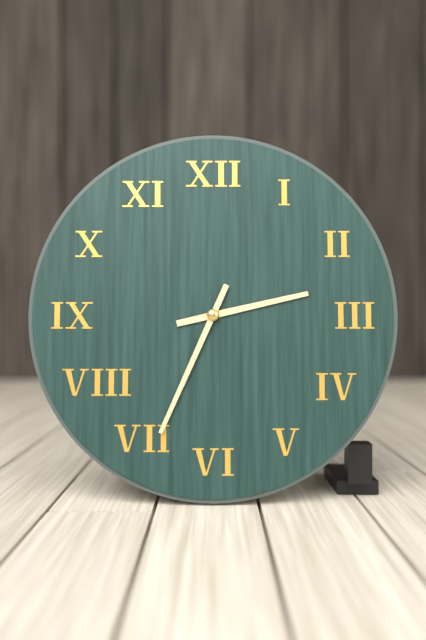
**2:34**
